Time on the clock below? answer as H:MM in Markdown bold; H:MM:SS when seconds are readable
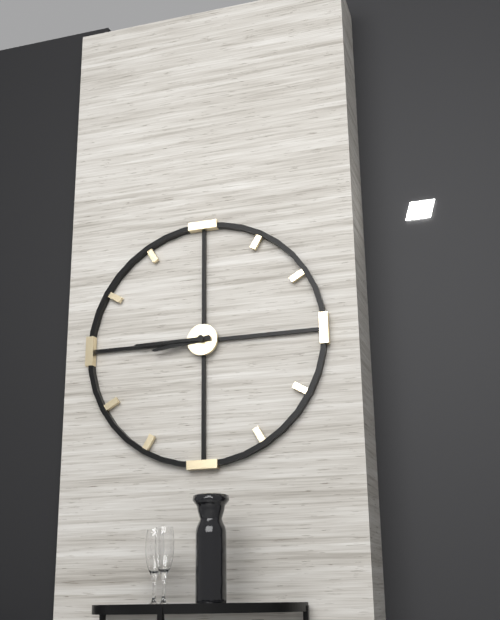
**8:45**
